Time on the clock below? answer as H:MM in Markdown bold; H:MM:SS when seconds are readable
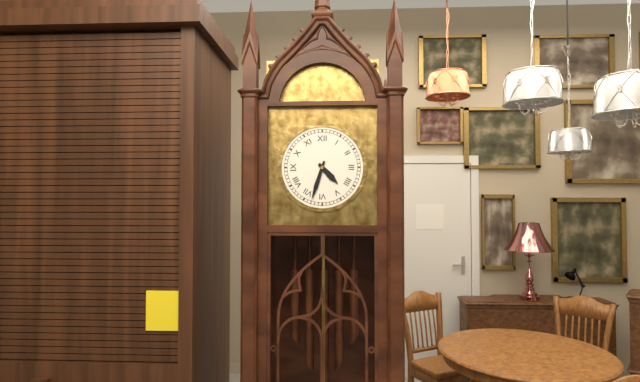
**4:33**
